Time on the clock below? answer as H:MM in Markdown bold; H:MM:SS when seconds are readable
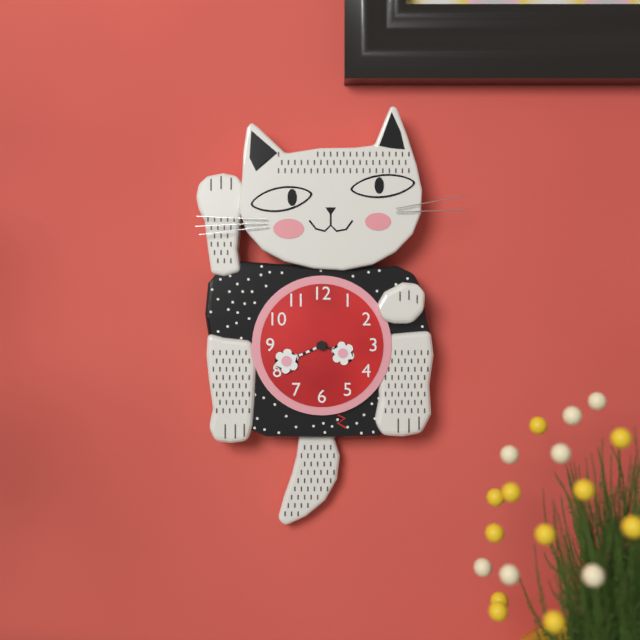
**3:41**
